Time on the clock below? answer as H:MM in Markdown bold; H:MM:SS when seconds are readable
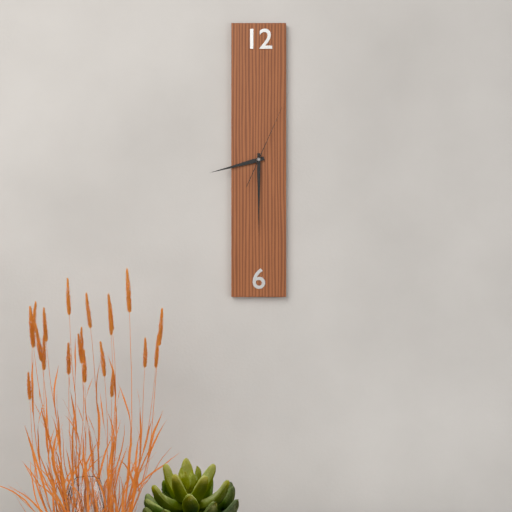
**8:30:04**
